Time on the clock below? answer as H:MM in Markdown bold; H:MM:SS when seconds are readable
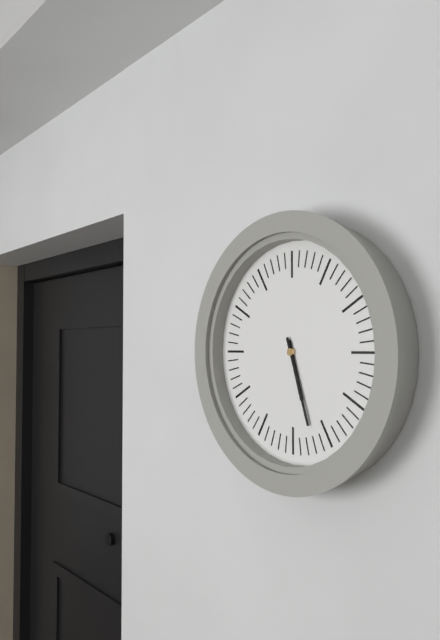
**5:27**
